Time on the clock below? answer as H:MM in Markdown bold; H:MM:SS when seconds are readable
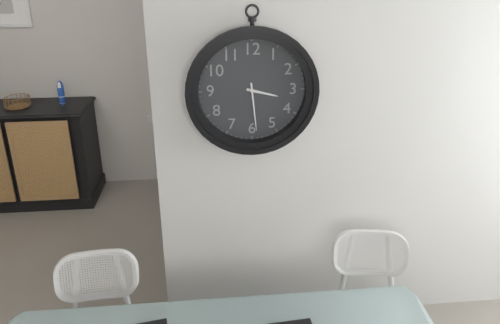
**3:29**
